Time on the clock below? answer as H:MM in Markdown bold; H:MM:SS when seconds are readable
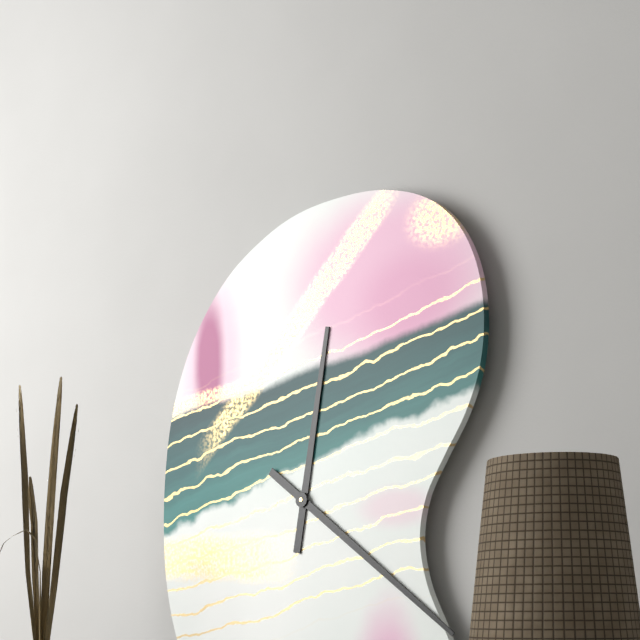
**12:21**
